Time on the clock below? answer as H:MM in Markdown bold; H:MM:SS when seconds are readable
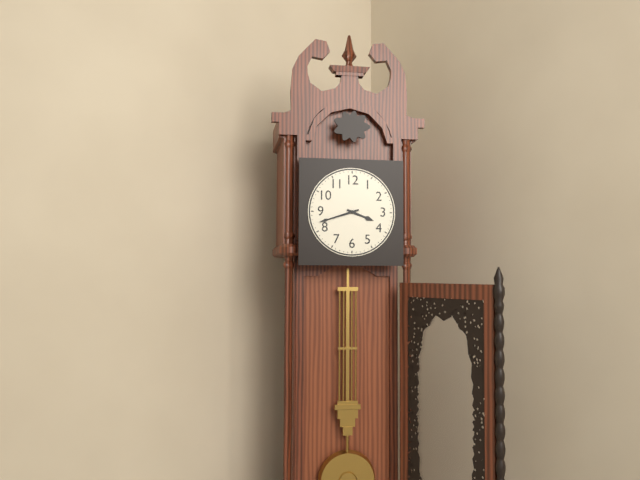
**3:42**
